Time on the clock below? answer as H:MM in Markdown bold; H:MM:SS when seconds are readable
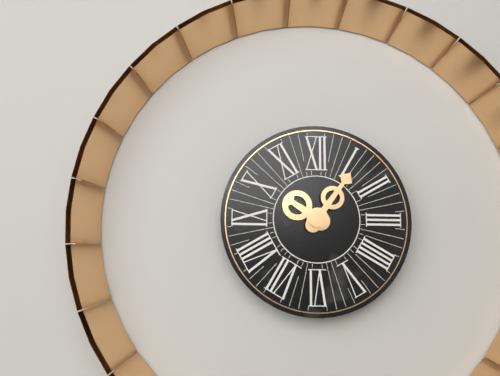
**10:06**
